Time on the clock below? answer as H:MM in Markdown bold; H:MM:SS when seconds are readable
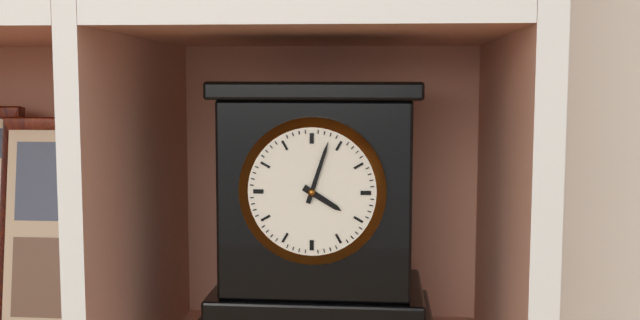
**4:03**
